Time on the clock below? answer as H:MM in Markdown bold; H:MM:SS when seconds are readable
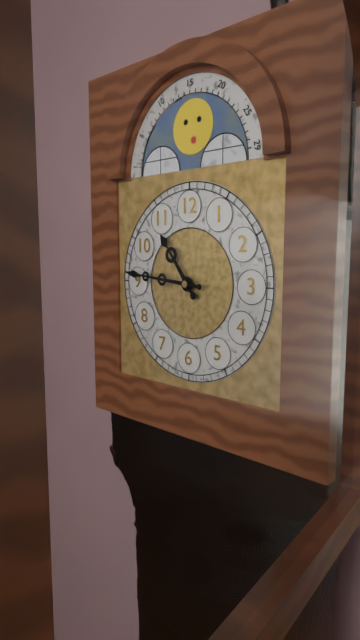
**10:46**
